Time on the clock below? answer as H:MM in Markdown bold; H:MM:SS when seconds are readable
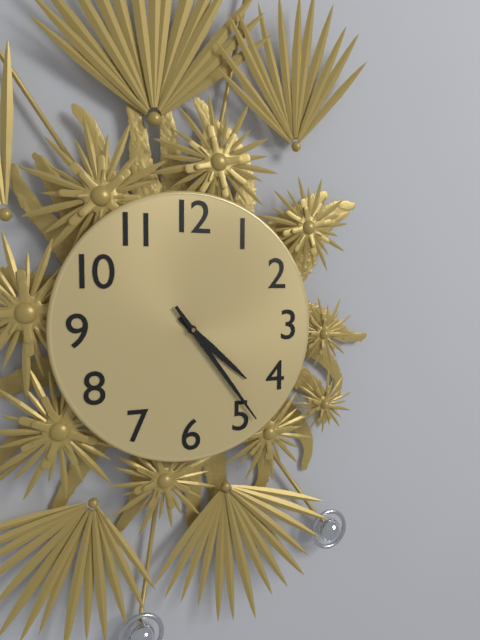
**4:24**
